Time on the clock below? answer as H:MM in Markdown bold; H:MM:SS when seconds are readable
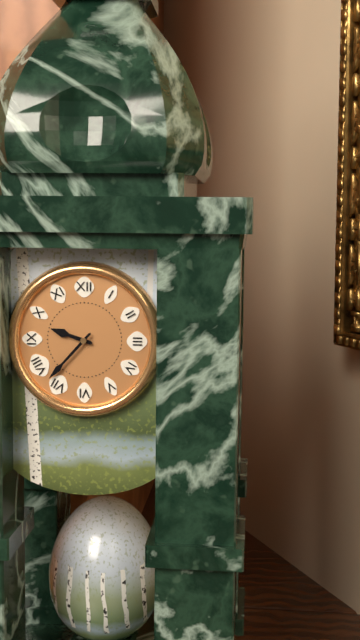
**9:37**
